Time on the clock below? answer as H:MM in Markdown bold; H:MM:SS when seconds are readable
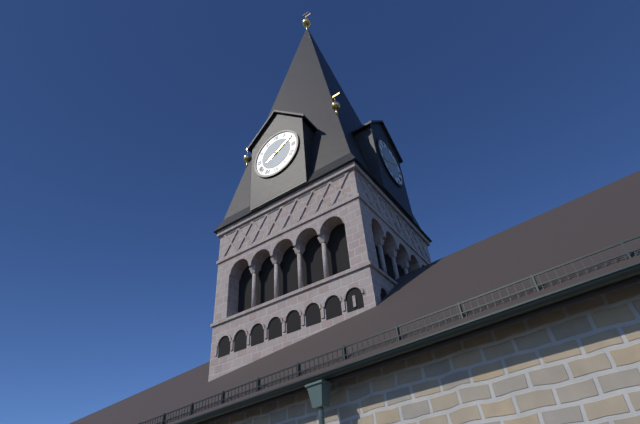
**8:10**
